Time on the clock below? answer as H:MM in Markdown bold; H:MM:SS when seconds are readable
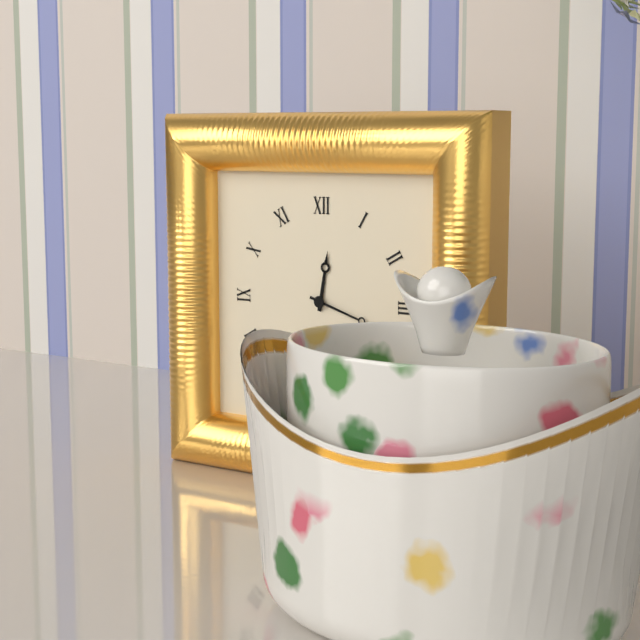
**12:18**
